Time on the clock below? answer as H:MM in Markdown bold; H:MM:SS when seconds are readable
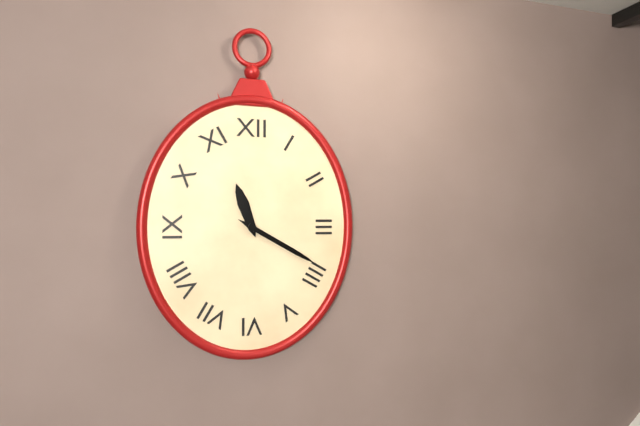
**11:20**
